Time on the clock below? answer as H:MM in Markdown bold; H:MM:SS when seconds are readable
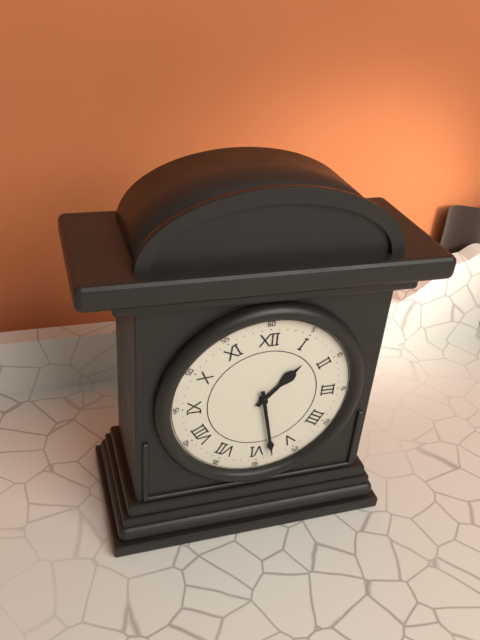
**1:28**
